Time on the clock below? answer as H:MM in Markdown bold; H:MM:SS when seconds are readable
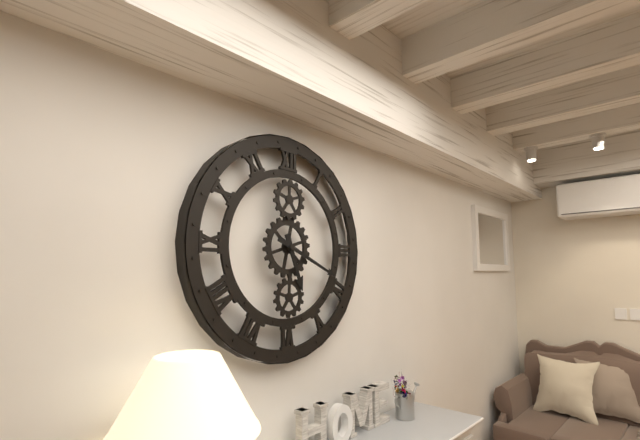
**5:19**
